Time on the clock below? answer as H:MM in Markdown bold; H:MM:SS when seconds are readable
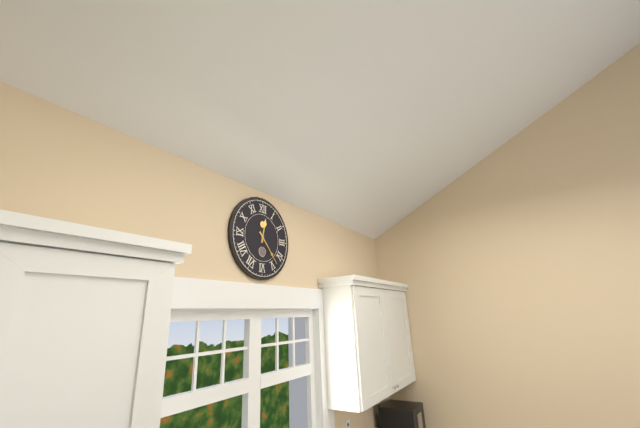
**12:23**
